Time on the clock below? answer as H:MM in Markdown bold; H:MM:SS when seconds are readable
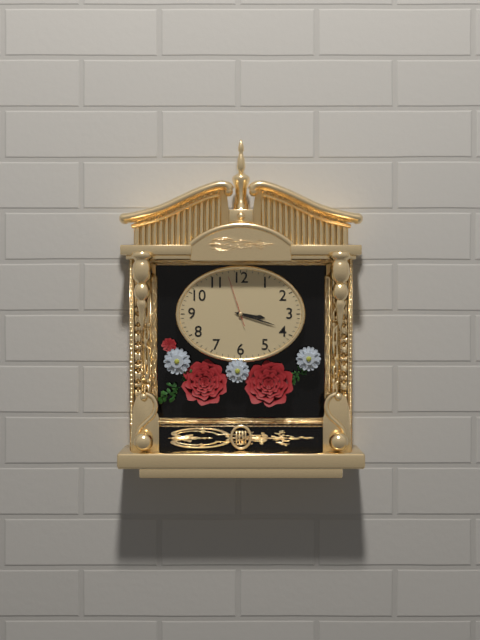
**3:18**
